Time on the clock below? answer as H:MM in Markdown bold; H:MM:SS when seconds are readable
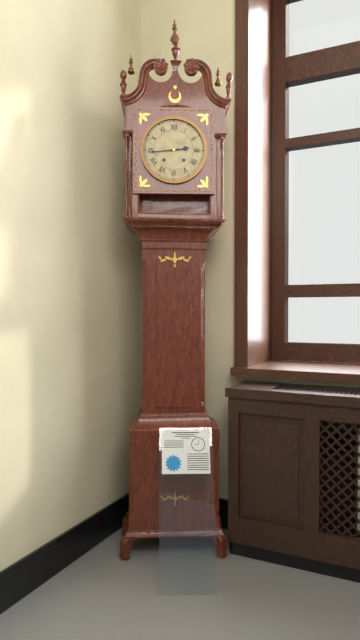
**2:44**
